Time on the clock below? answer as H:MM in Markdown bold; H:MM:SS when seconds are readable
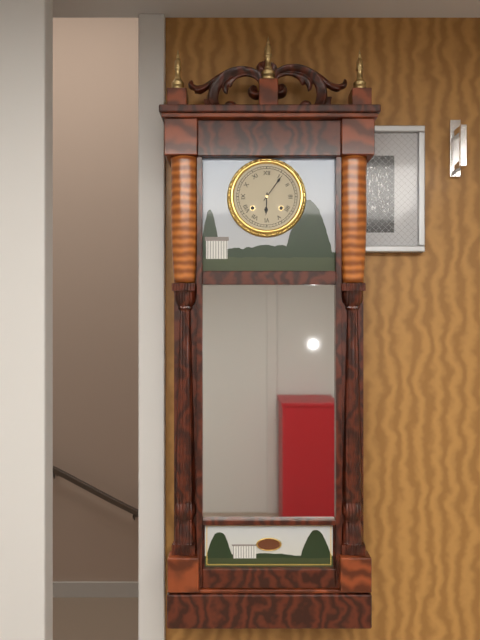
**6:06**
